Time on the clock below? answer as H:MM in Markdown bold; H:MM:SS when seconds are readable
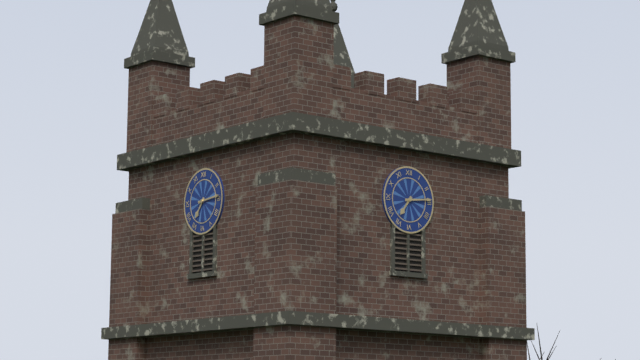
**7:14**
